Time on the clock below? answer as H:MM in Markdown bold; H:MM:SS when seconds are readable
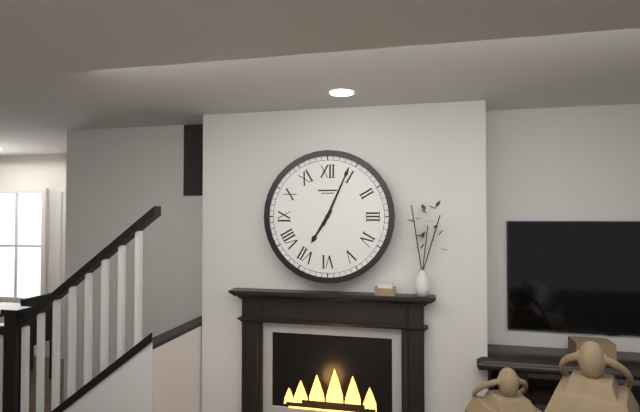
**7:04**
